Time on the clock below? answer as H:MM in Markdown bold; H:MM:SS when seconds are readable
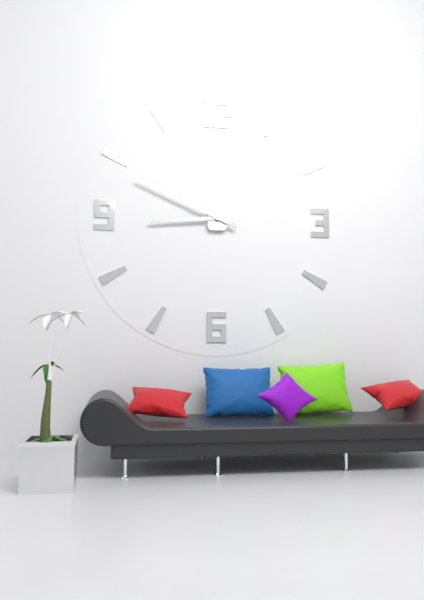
**8:49**
